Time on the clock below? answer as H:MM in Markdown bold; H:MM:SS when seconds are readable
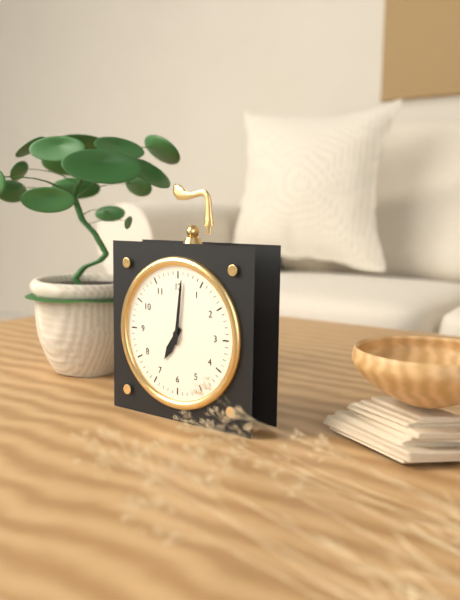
**7:01**
